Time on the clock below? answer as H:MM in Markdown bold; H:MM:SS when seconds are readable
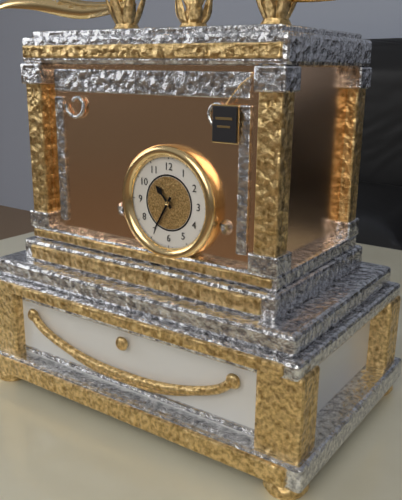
**10:35**
